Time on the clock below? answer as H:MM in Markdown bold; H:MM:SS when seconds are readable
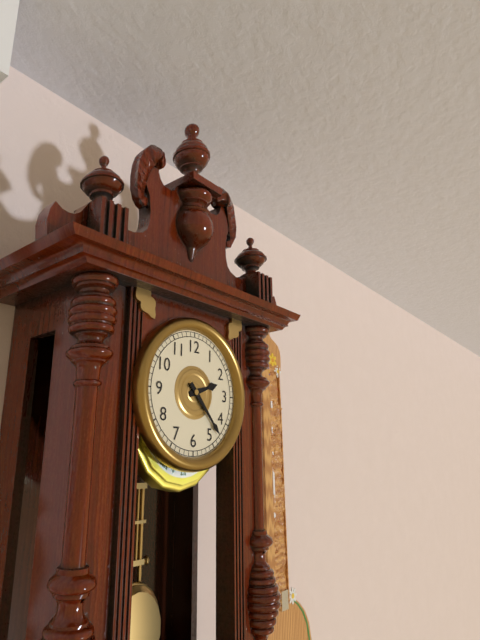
**2:23**
